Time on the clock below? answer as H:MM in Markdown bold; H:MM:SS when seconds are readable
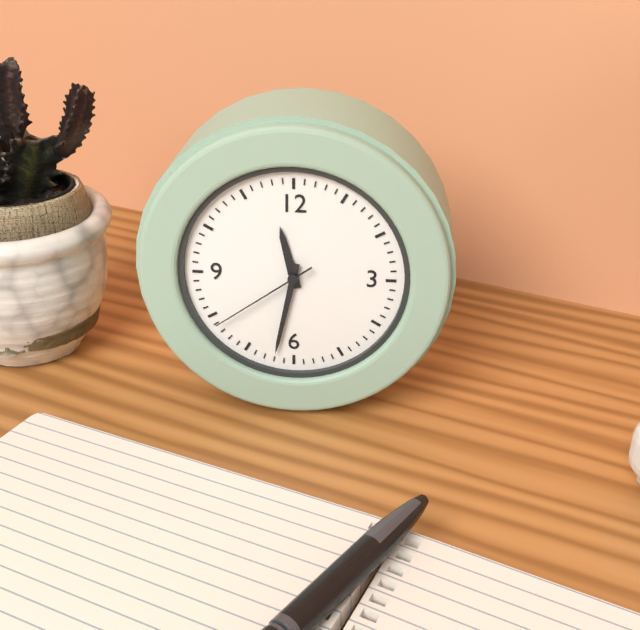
**11:32:39**
